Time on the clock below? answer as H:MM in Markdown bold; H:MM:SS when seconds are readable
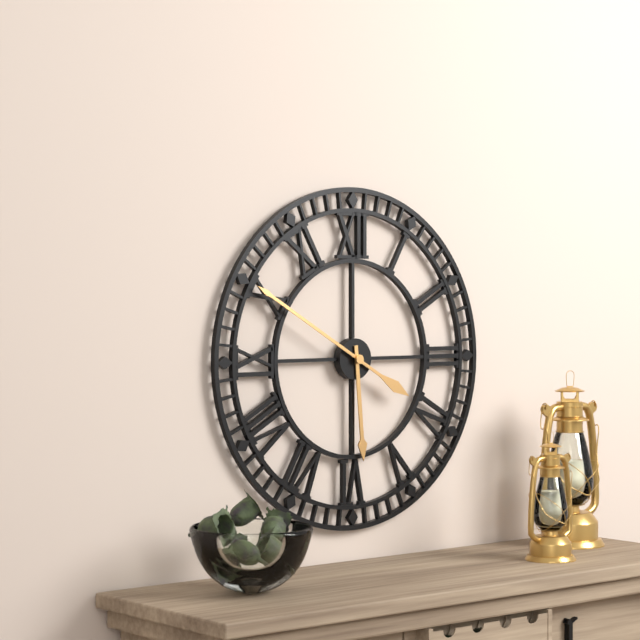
**5:50**
